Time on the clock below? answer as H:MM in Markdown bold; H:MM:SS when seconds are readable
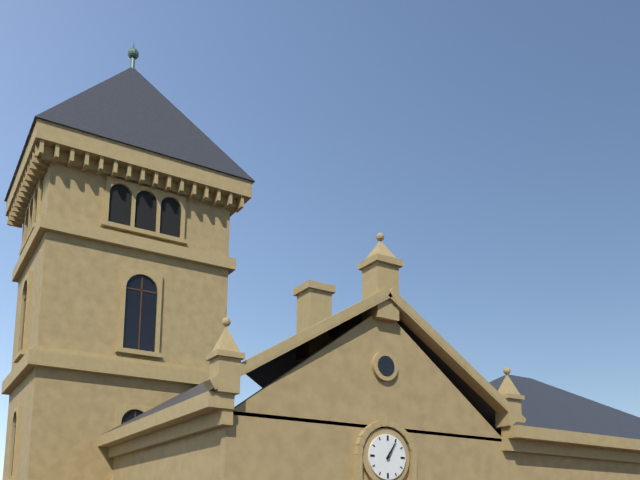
**1:05**
